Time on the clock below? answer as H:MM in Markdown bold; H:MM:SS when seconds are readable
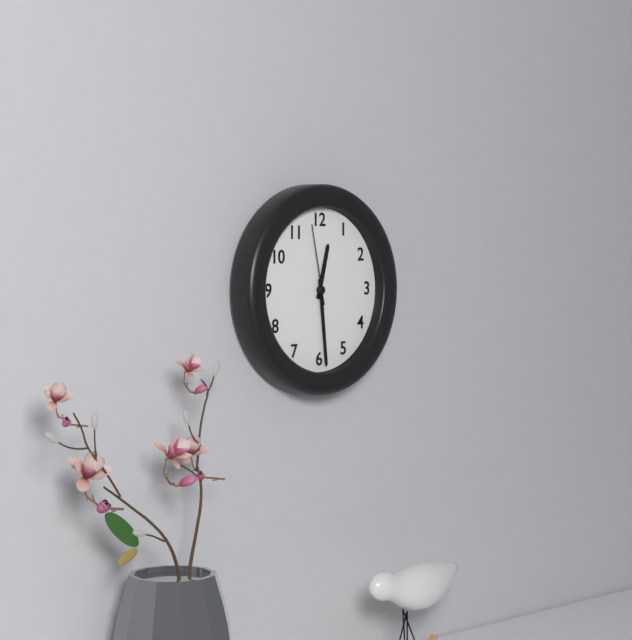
**12:29:58**
